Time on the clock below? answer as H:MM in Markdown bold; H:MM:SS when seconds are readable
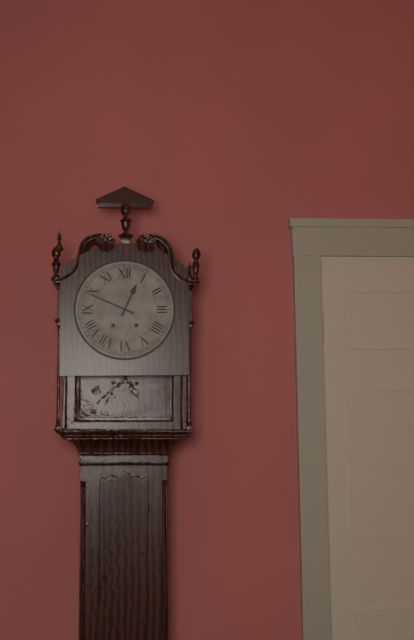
**12:49**
